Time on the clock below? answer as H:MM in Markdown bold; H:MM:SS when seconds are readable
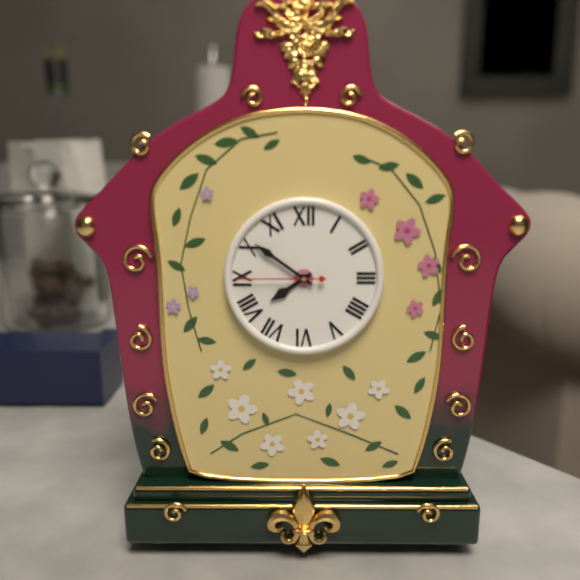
**7:51:45**
